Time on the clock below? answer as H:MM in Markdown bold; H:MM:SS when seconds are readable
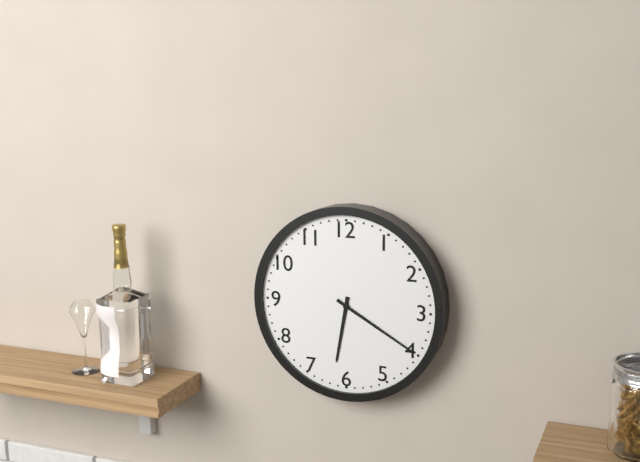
**6:20**
